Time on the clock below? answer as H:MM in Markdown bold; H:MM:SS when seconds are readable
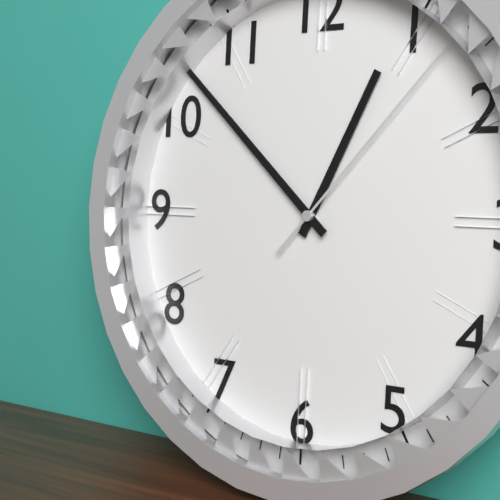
**12:52:07**
